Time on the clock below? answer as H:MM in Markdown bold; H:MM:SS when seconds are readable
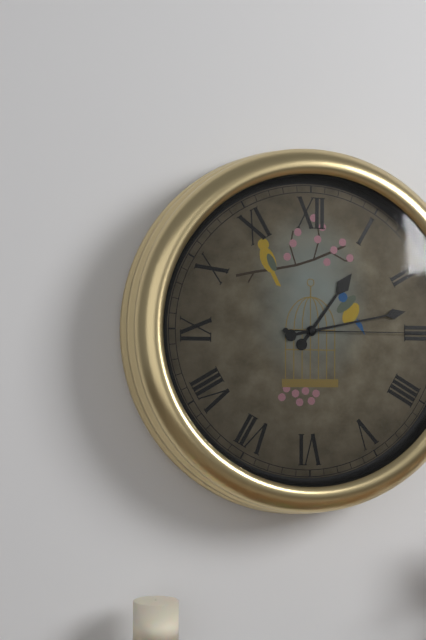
**1:13:15**
